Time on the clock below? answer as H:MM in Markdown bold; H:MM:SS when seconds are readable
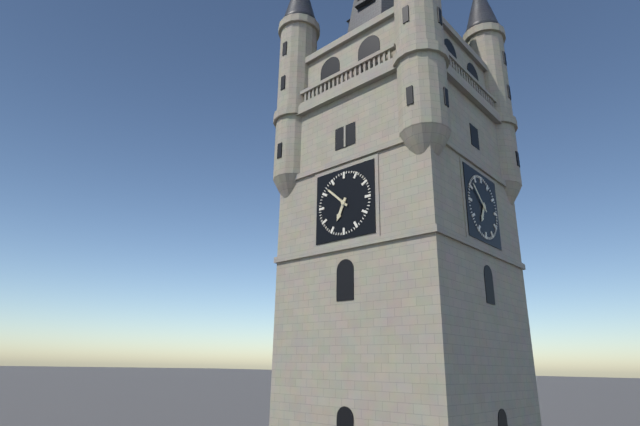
**6:52**
